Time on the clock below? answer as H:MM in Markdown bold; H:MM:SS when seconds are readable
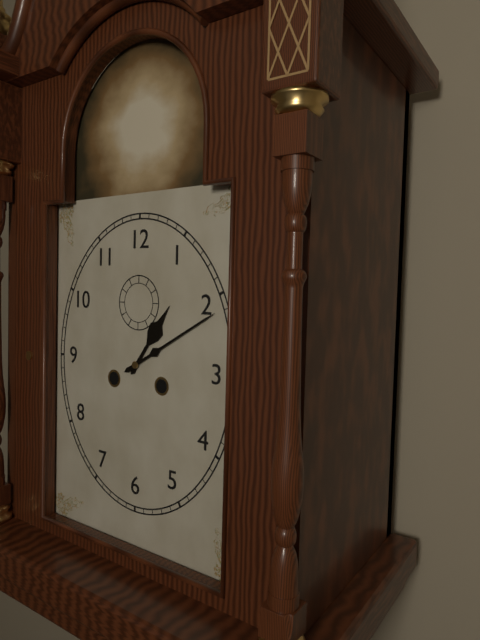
**1:10**
